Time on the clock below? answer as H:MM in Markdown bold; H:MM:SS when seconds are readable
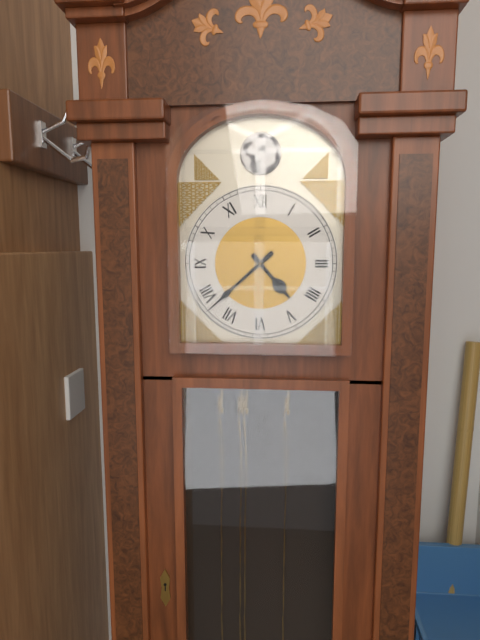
**4:38**
